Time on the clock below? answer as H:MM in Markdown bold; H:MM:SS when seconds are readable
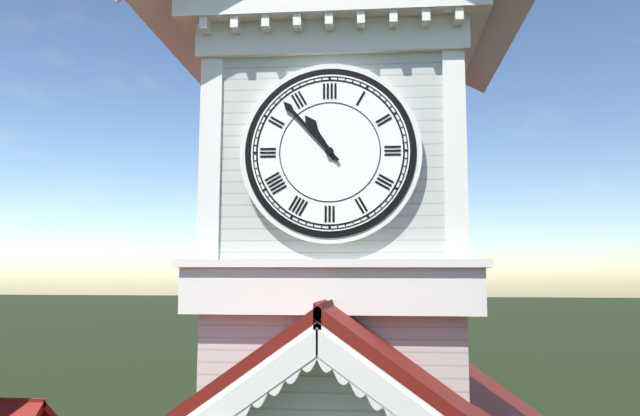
**10:53**
